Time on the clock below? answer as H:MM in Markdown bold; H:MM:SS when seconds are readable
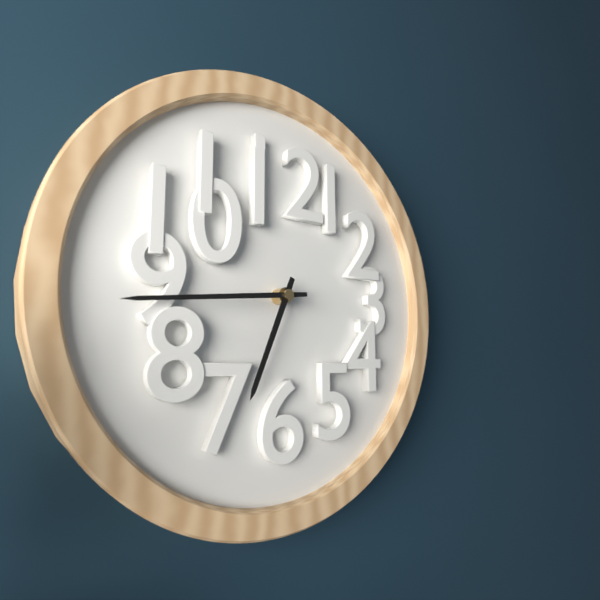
**6:44**
